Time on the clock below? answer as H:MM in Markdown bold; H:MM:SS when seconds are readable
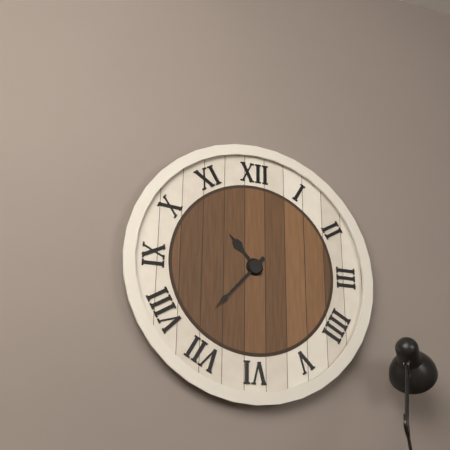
**10:37**
